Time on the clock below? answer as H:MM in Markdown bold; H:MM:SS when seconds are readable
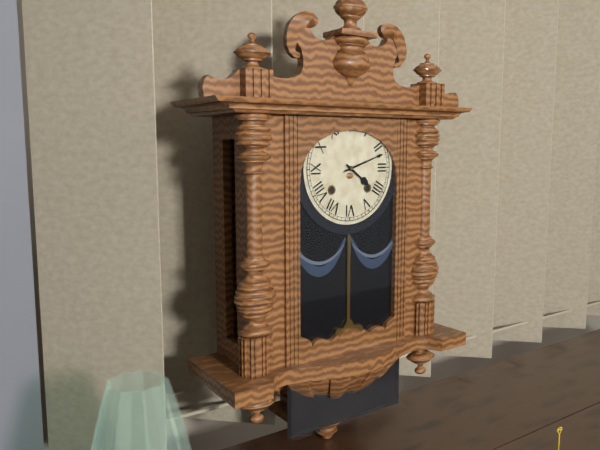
**4:12**
